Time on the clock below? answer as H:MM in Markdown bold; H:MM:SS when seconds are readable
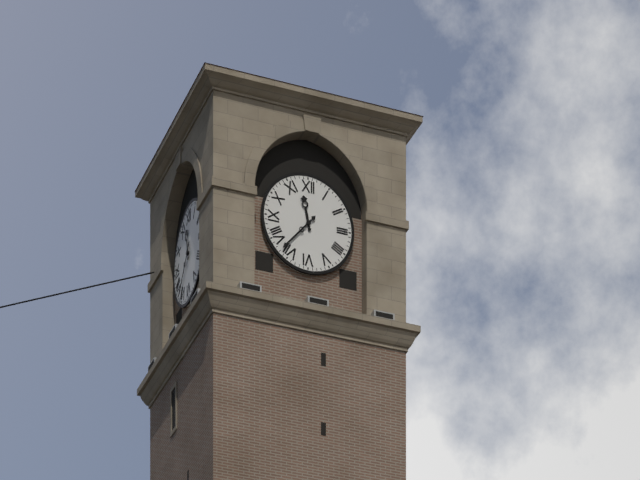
**11:37**
